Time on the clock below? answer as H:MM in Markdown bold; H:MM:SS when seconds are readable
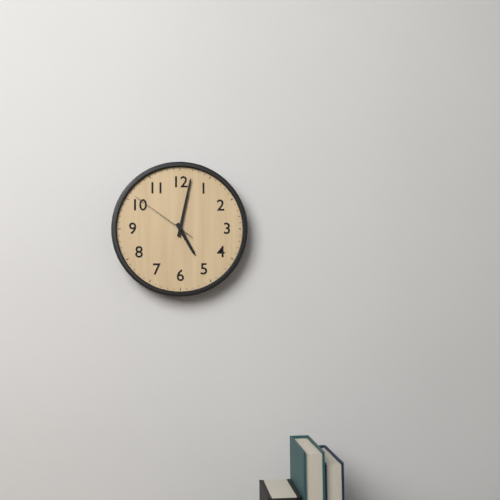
**5:02:51**
